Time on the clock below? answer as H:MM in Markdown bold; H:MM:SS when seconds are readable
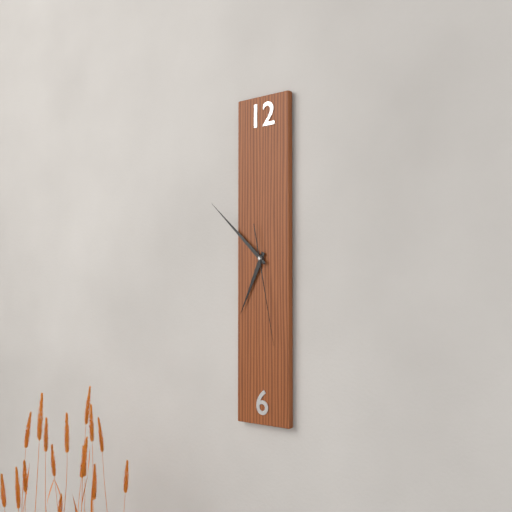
**6:52:28**
